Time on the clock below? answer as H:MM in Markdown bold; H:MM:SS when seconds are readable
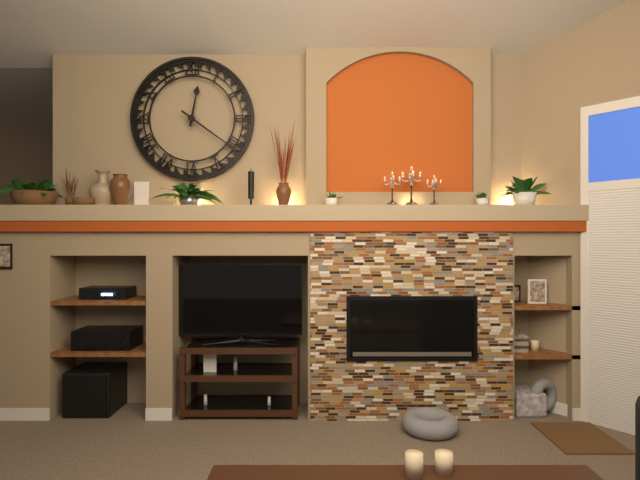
**12:21**
